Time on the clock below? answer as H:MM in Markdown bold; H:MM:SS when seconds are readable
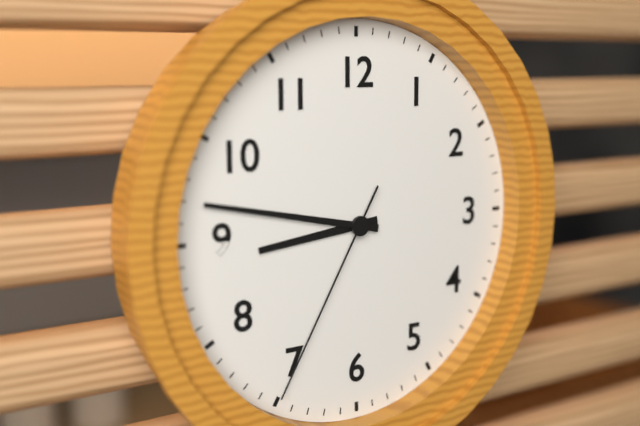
**8:47:35**
